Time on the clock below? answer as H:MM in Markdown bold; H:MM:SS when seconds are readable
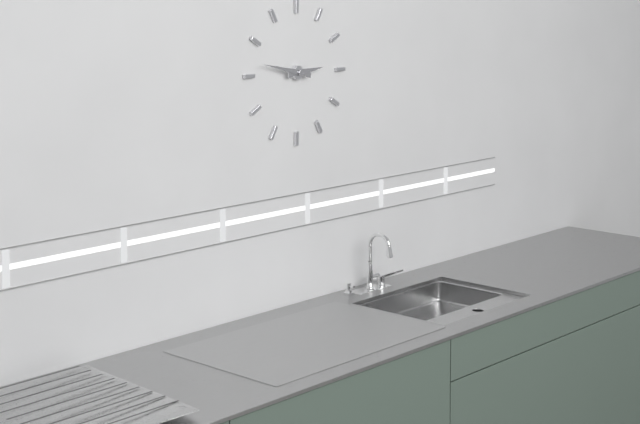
**2:47**
